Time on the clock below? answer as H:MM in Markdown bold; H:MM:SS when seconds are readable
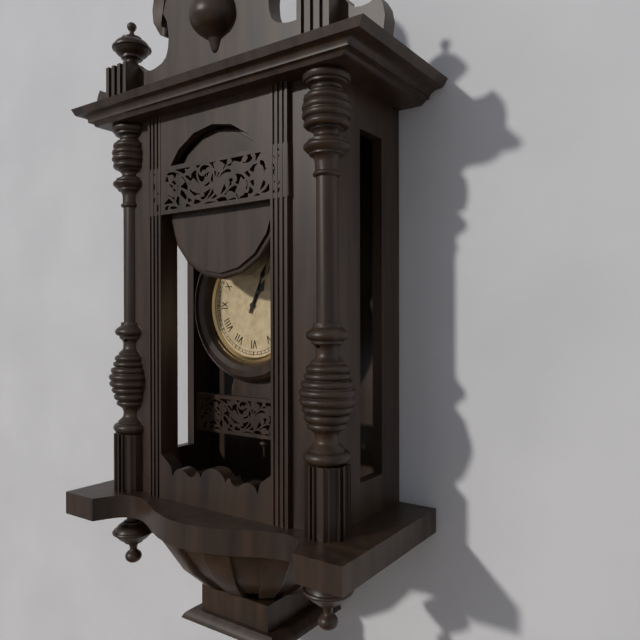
**1:04**
